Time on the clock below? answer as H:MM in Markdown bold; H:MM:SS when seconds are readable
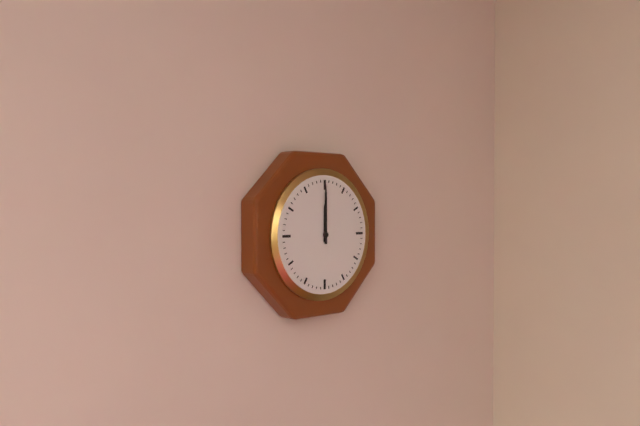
**12:00**
